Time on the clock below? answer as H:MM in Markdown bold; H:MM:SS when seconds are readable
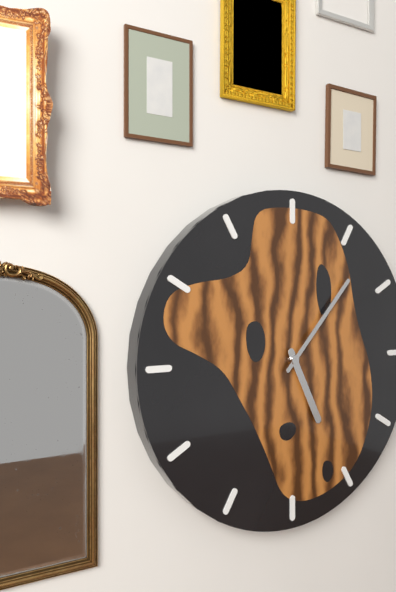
**5:07**
